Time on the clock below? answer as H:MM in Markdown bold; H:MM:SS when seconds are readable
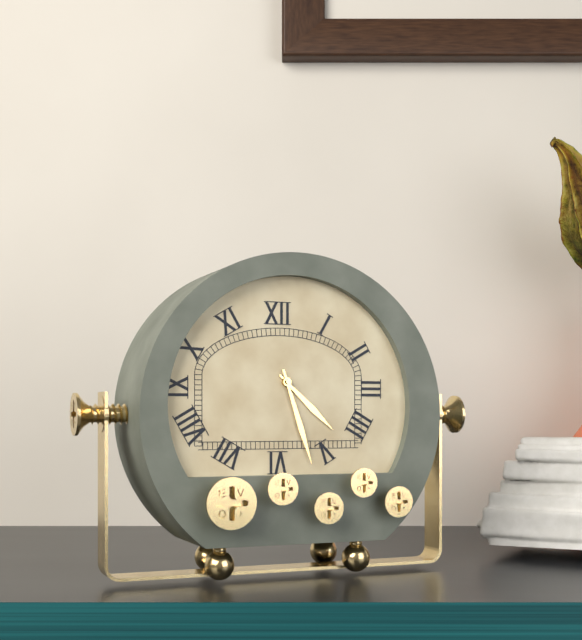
**4:27**
